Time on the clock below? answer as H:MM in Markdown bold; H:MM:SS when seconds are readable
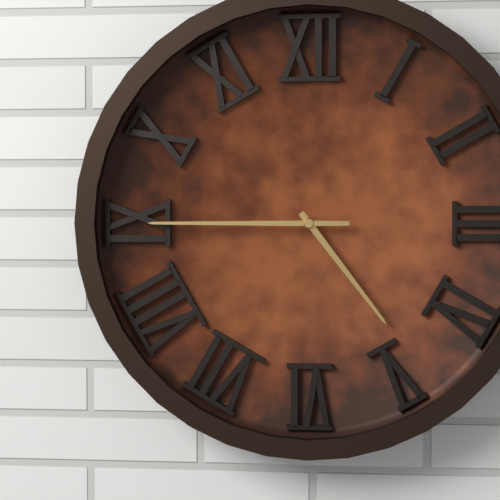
**4:45**
